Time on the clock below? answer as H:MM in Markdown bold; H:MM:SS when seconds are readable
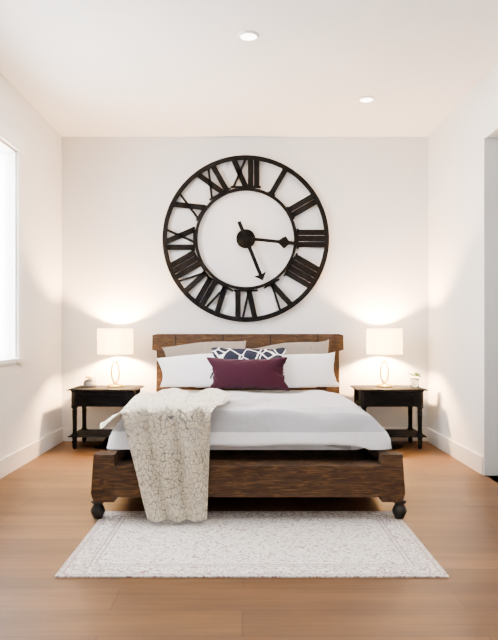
**5:16**
